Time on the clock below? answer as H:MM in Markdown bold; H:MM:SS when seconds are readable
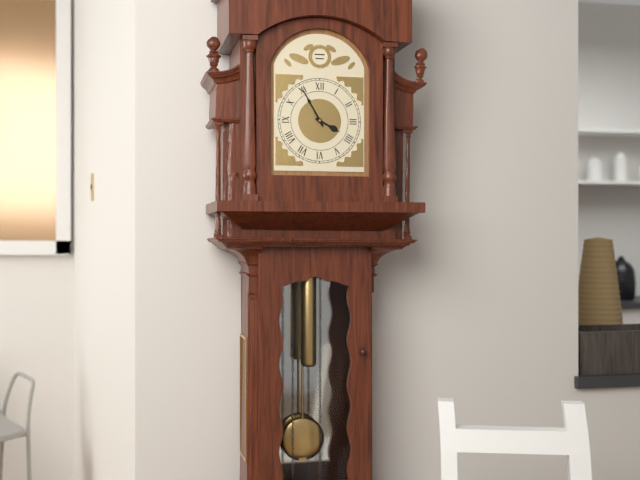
**3:55**
